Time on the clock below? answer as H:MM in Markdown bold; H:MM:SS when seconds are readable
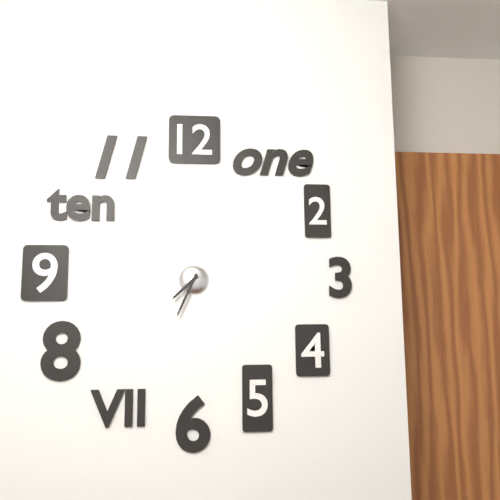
**7:34**
